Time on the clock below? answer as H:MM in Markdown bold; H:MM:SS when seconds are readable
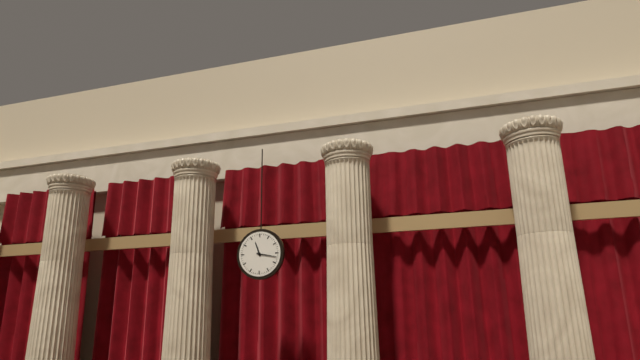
**11:17**
